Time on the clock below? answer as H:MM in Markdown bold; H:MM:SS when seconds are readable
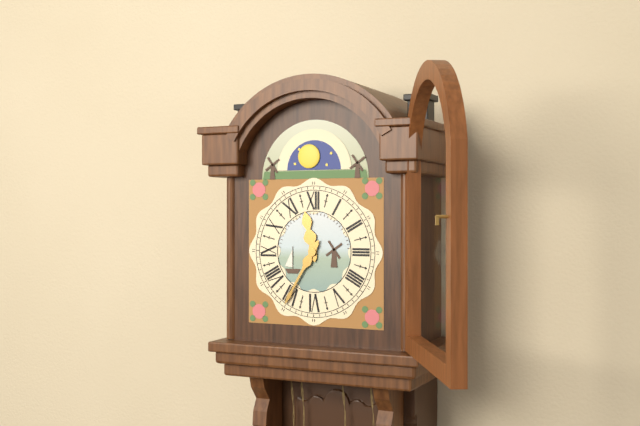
**11:35**
